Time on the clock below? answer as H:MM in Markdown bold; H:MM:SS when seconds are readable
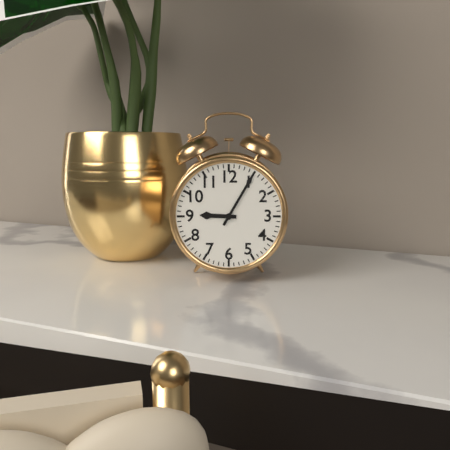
**9:05**
